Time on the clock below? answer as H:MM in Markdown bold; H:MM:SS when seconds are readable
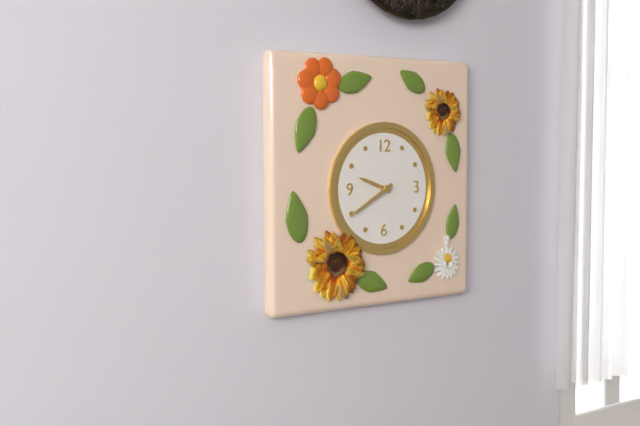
**9:40**
